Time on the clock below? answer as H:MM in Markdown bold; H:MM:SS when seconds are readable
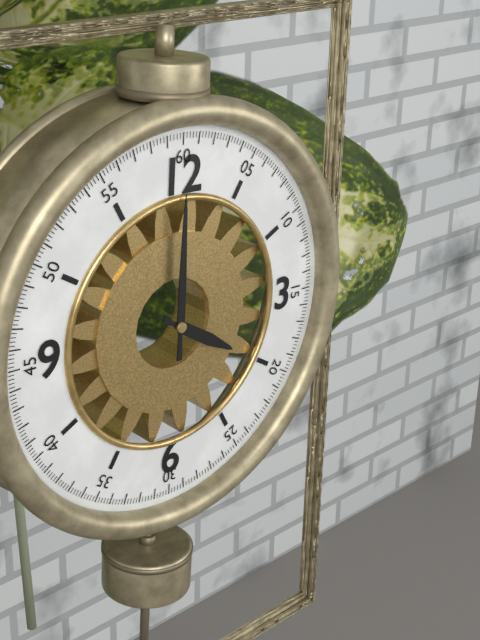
**4:00**
